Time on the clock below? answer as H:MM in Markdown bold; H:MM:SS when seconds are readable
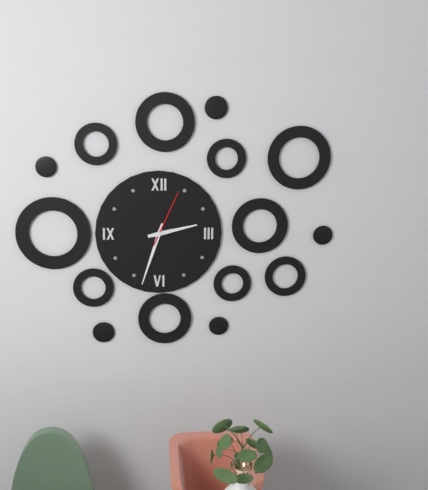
**2:33:04**
